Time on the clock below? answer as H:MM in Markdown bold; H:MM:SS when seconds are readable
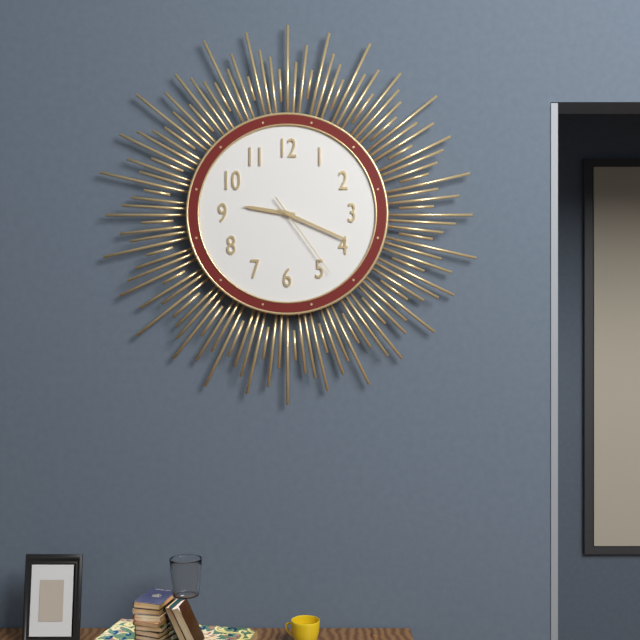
**9:19:24**
